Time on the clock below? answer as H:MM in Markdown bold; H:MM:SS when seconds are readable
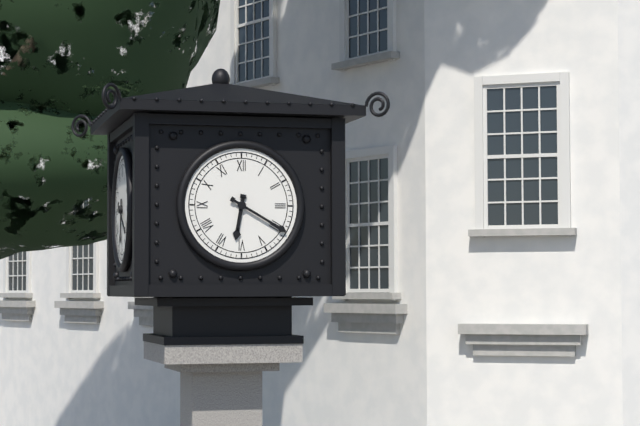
**6:20**
